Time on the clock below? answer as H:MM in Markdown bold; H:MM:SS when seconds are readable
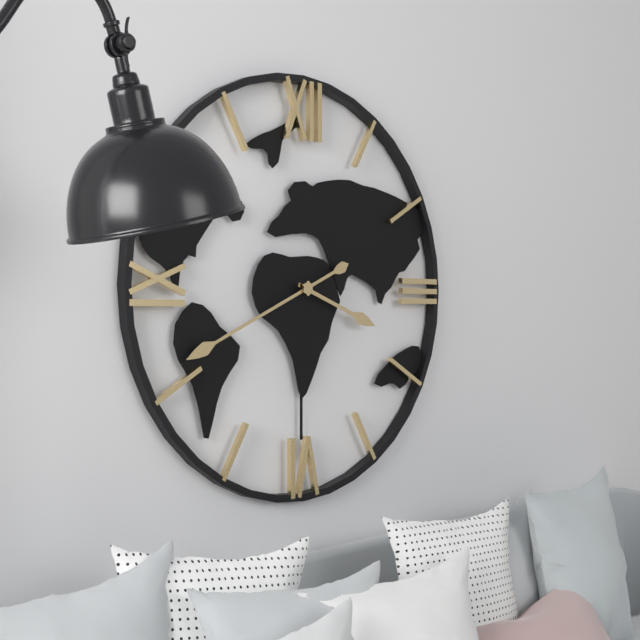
**3:41**
